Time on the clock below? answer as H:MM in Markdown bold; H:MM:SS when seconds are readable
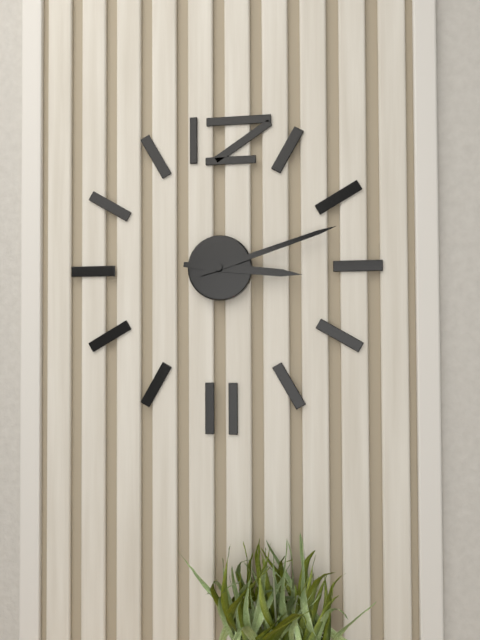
**3:12**
